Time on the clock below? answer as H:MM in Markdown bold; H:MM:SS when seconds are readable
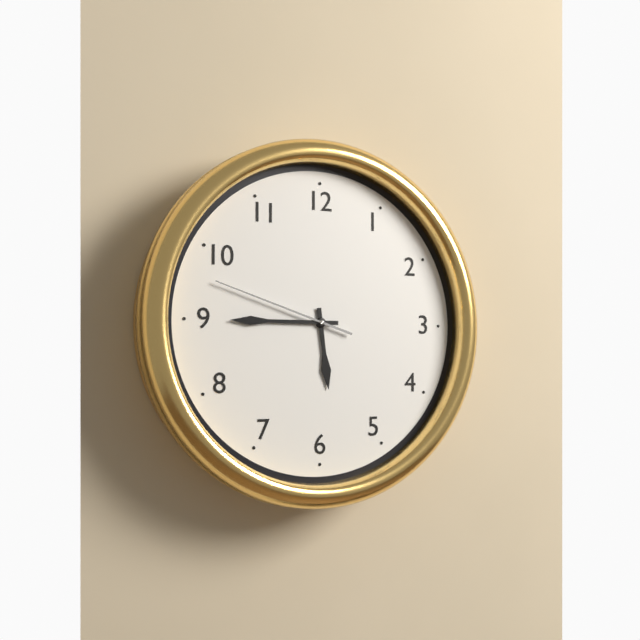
**5:45:48**
